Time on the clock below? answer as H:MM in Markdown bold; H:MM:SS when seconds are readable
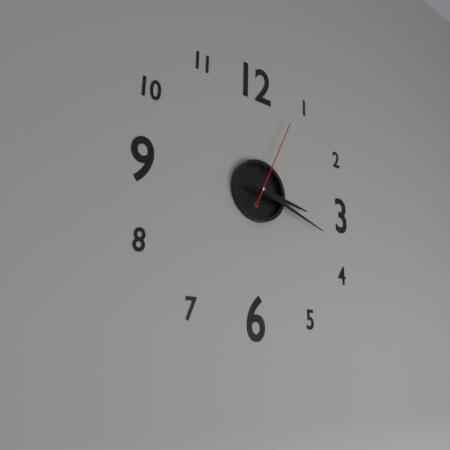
**3:18:04**
